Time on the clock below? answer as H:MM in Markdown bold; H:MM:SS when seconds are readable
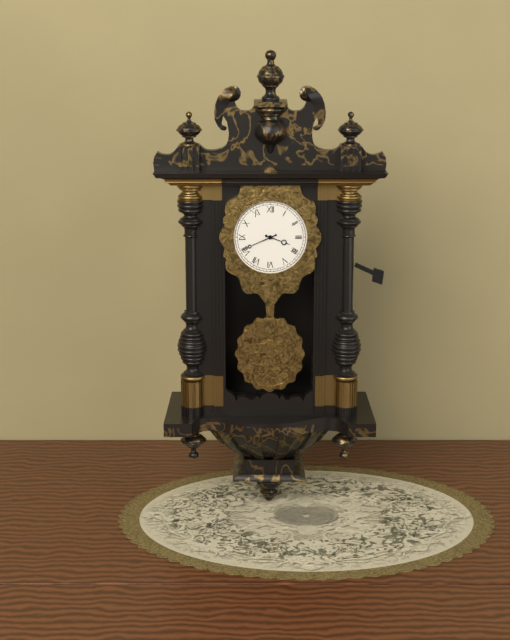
**3:41**
